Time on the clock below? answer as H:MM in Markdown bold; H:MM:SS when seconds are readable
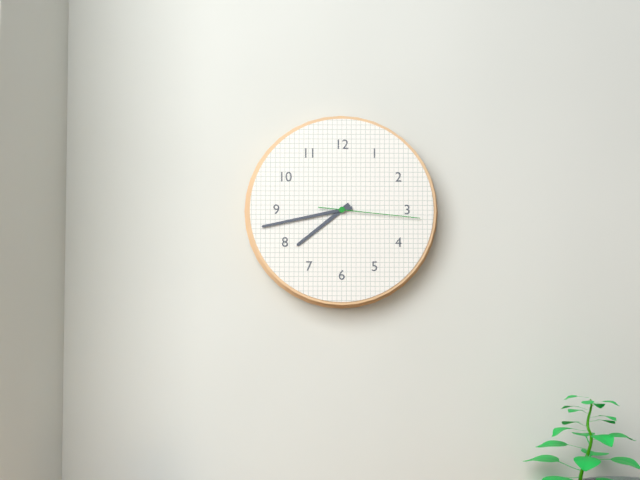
**7:43:16**
